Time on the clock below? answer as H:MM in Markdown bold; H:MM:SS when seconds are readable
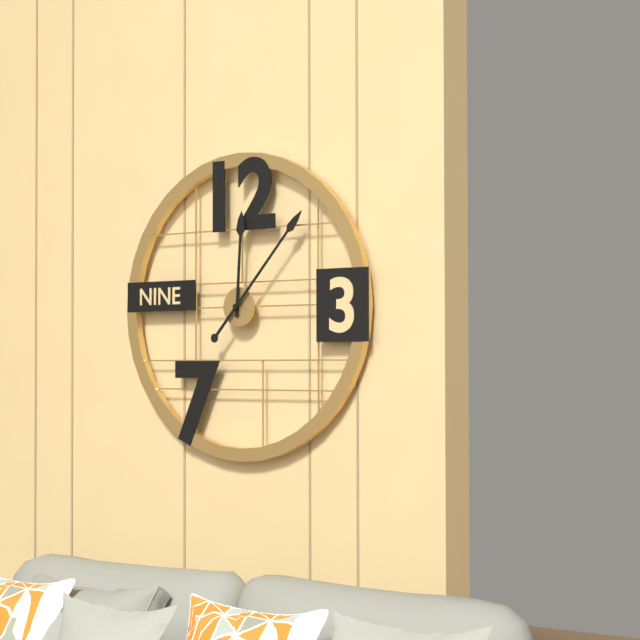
**12:07**
